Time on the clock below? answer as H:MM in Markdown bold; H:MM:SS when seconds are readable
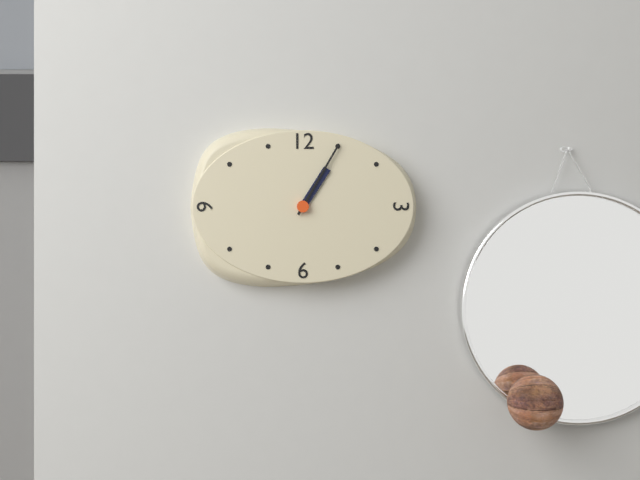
**1:05**
